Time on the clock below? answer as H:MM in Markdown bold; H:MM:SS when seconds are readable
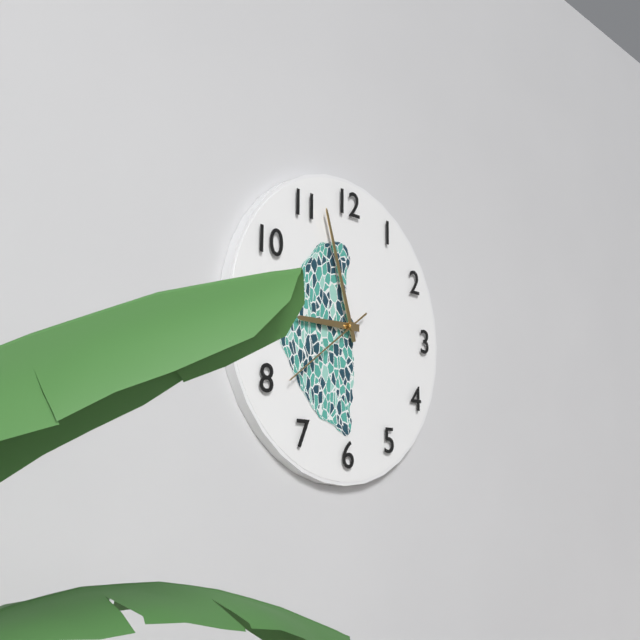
**8:57:39**
